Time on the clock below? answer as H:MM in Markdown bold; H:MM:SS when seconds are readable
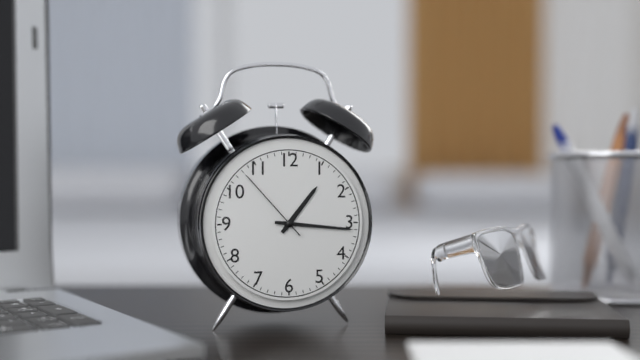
**1:16:53**
